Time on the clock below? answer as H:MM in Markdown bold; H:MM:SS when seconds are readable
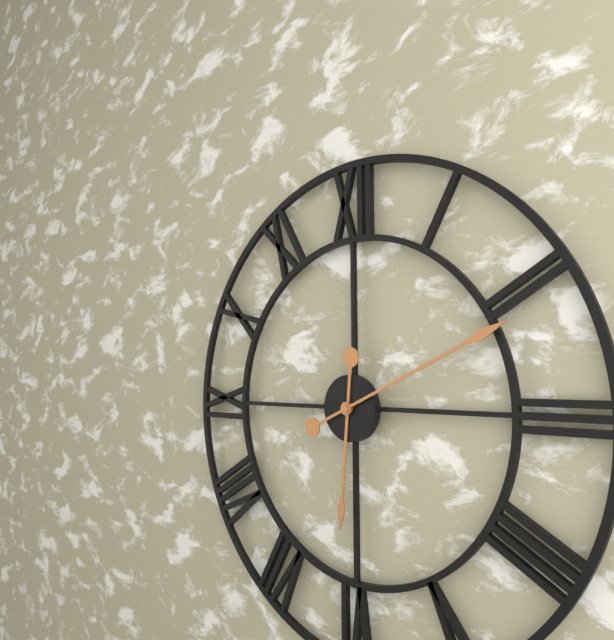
**6:11**
